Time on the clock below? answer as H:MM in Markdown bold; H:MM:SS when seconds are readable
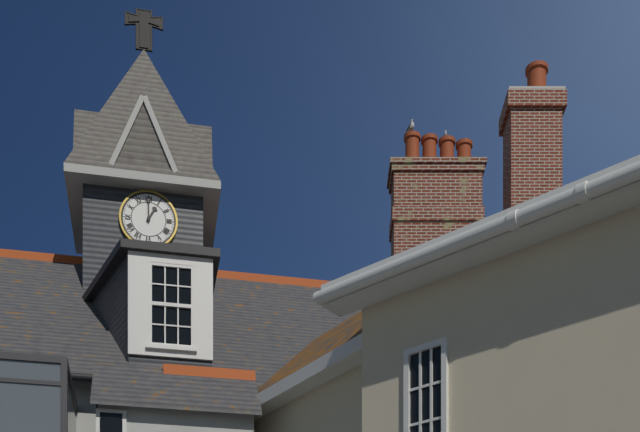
**1:00**
